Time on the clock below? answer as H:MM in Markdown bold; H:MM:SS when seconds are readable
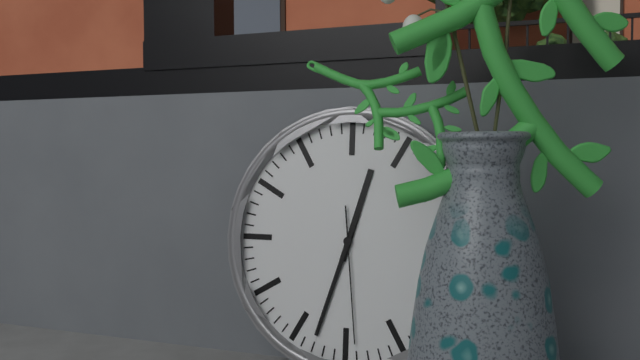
**12:33:29**
